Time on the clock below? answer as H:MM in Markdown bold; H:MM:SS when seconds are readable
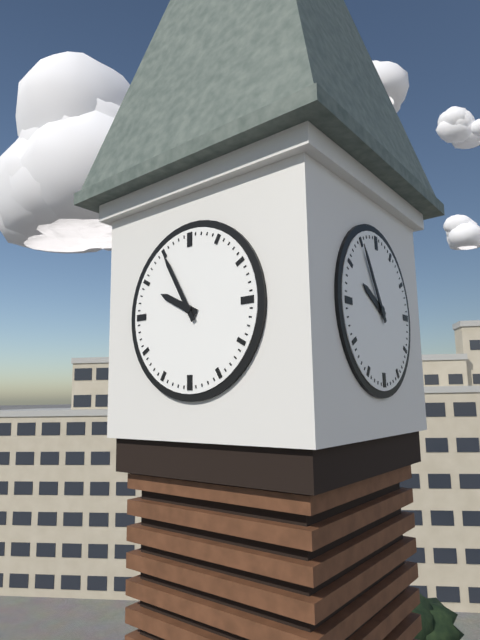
**9:55**
